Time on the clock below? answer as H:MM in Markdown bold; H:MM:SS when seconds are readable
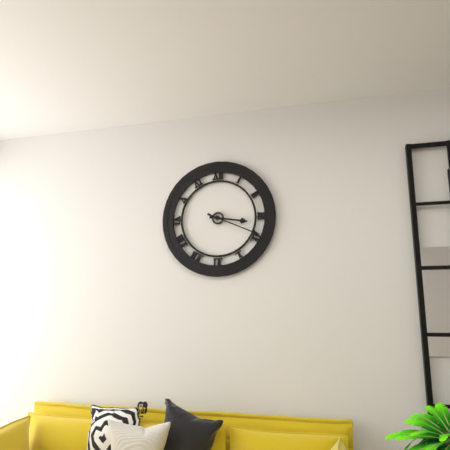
**3:19**
